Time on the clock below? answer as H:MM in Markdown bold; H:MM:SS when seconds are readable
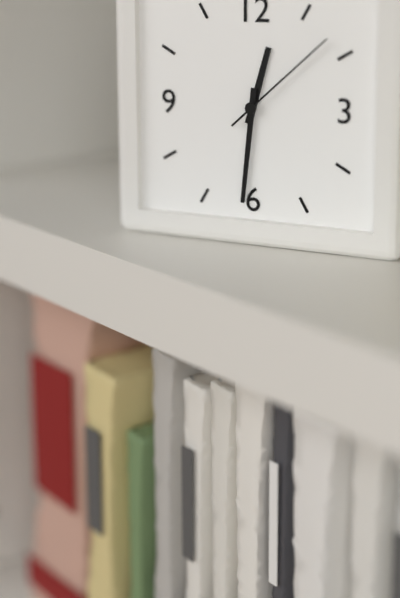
**12:31:08**
